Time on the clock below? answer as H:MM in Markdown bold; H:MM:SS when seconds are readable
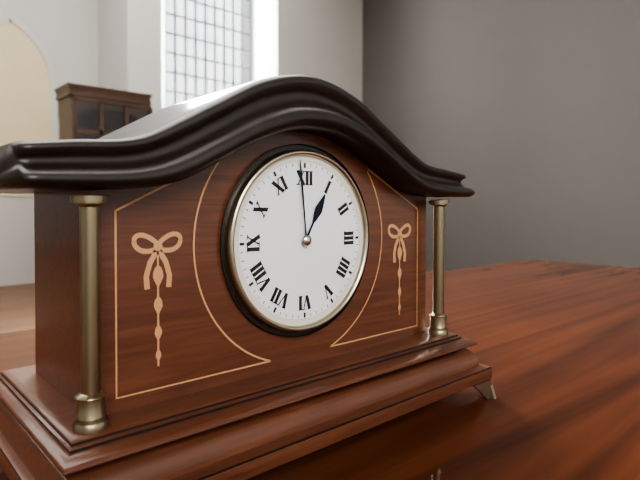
**12:59**
